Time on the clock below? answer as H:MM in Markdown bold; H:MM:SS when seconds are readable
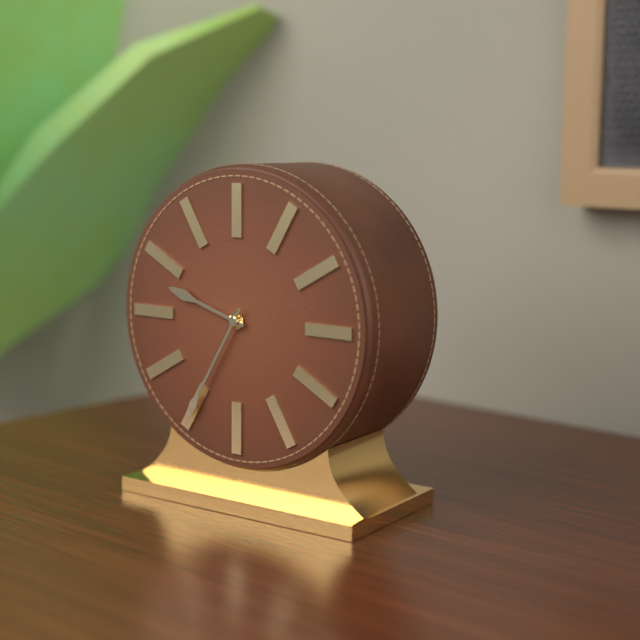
**9:35**
